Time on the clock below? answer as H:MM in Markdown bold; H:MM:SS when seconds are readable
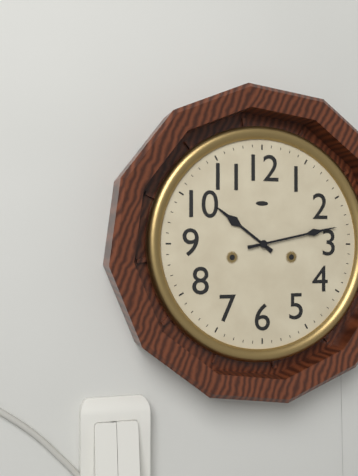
**10:13**
